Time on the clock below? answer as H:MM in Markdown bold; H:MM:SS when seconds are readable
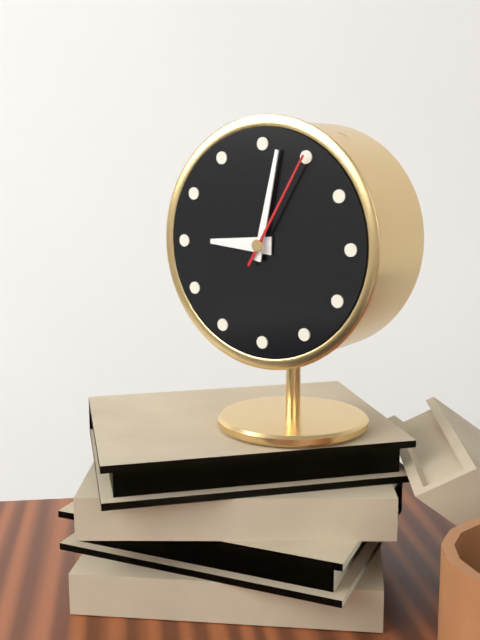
**9:02:05**
